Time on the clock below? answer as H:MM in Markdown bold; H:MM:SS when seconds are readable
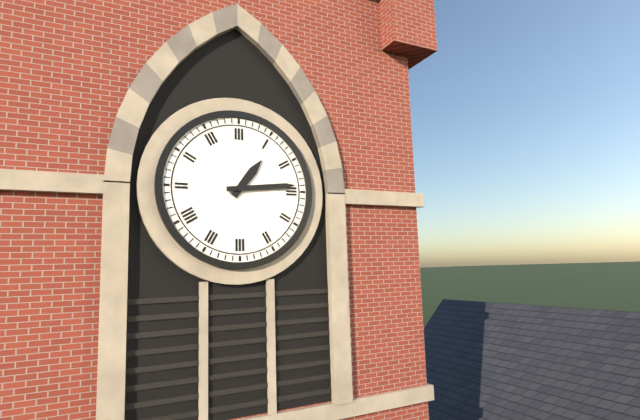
**1:14**
